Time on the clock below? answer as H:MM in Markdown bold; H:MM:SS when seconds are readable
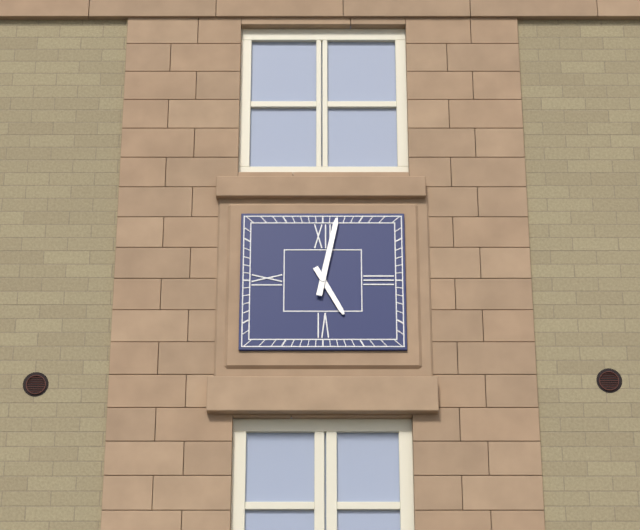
**5:02**
